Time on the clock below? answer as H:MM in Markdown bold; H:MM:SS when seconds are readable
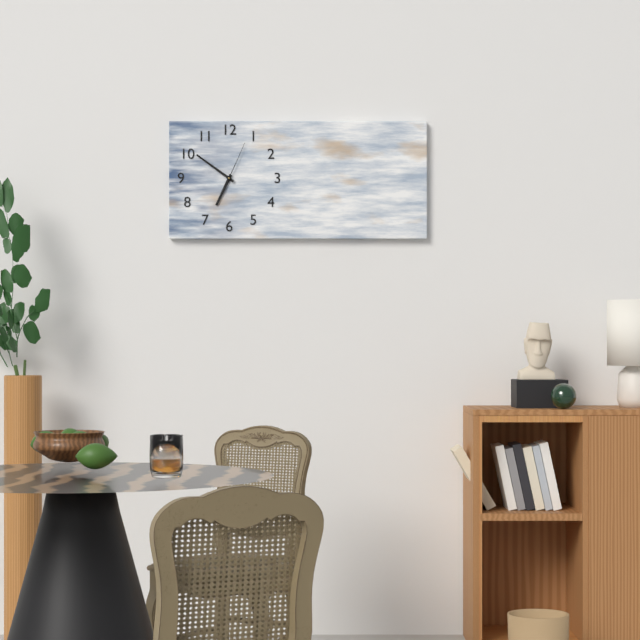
**6:51**
